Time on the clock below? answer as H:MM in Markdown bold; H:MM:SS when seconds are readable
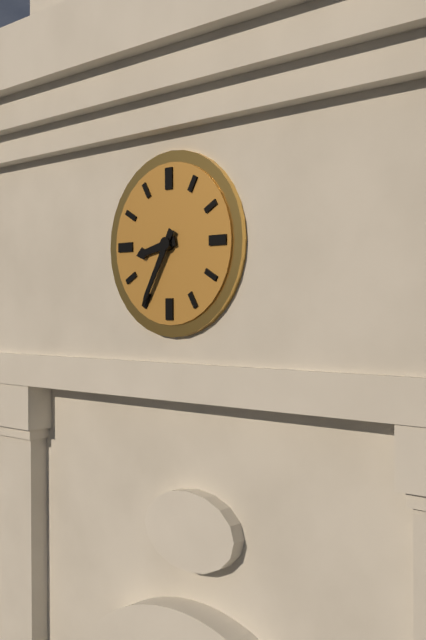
**8:35**
